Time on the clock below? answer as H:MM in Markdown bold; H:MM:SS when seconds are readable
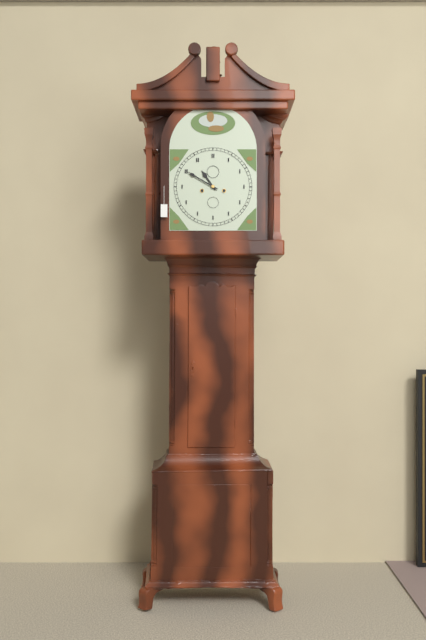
**10:50**
